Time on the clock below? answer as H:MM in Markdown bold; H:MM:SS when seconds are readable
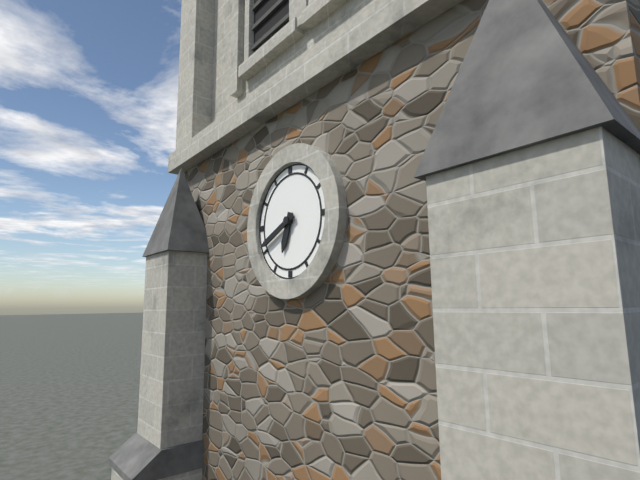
**6:41**
